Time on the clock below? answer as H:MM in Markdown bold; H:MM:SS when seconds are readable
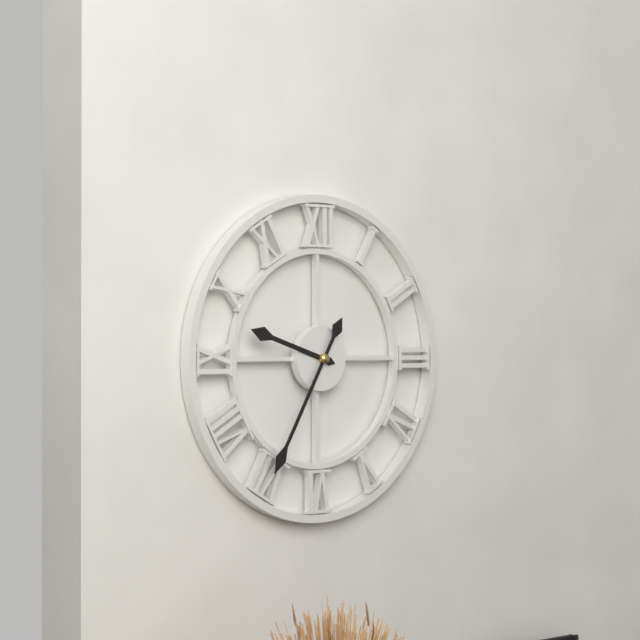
**9:35**
